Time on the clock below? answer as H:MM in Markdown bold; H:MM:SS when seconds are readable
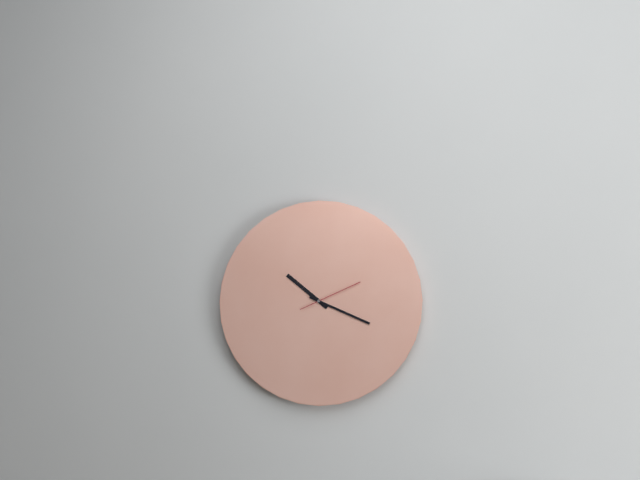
**10:19:11**
